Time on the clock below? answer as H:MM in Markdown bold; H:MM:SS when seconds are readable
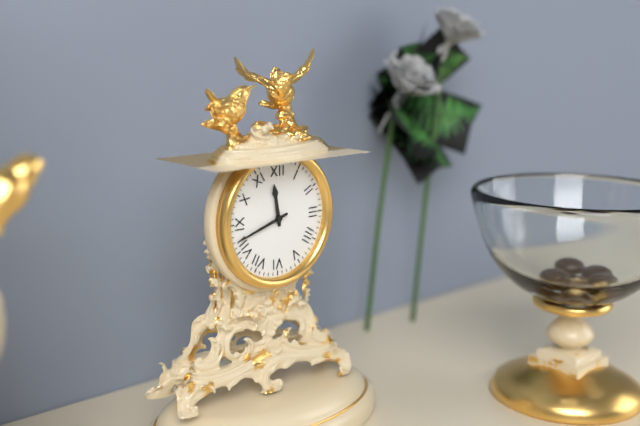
**11:42**
